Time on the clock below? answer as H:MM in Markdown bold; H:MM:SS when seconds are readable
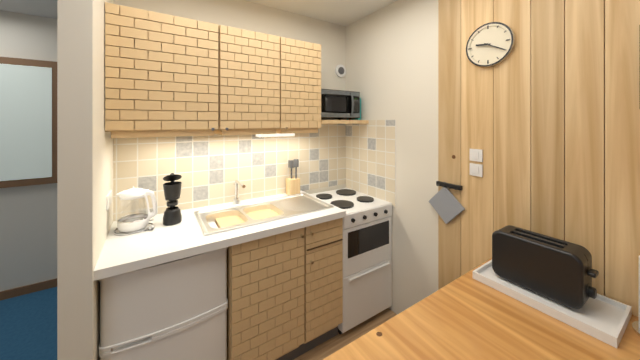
**9:20**
